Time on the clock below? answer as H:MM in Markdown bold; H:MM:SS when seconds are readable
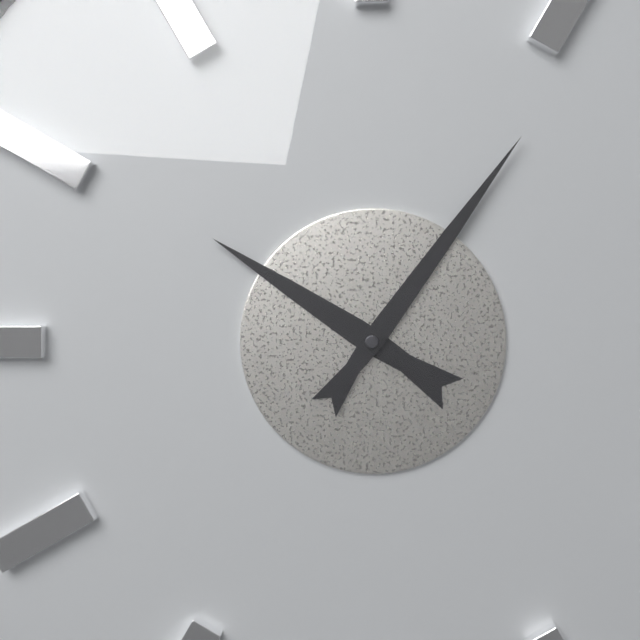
**10:06**
